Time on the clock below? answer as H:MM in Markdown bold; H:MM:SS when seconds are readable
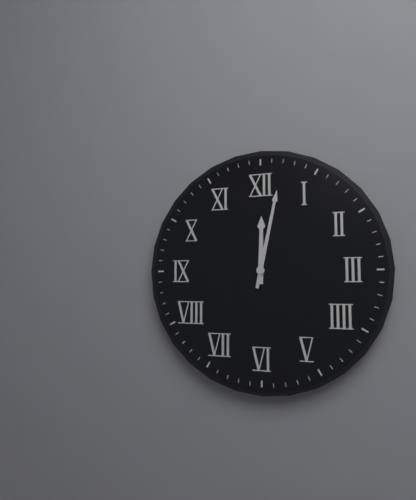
**12:02**
